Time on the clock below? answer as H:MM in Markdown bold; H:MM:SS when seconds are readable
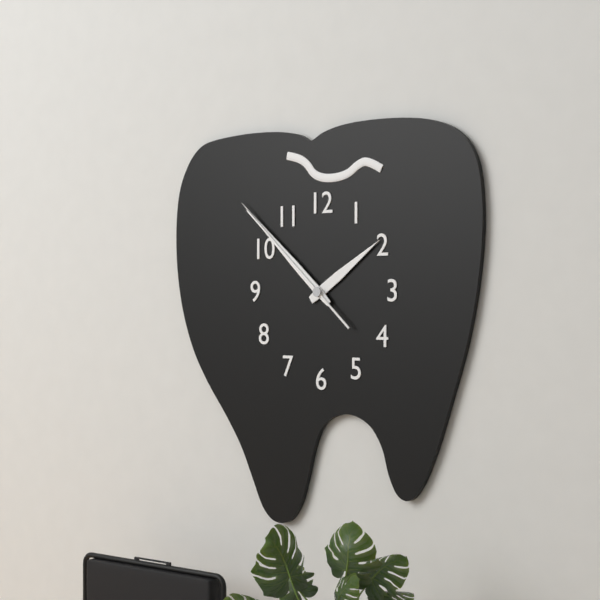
**1:52:52**
